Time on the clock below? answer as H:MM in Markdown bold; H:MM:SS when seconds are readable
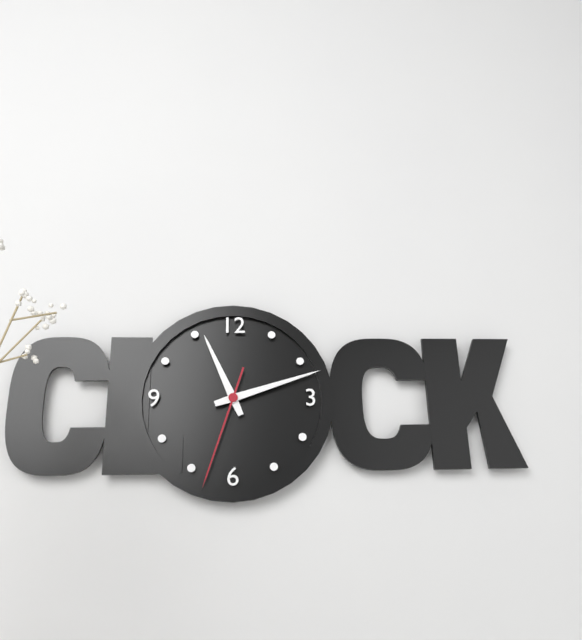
**11:12:33**
